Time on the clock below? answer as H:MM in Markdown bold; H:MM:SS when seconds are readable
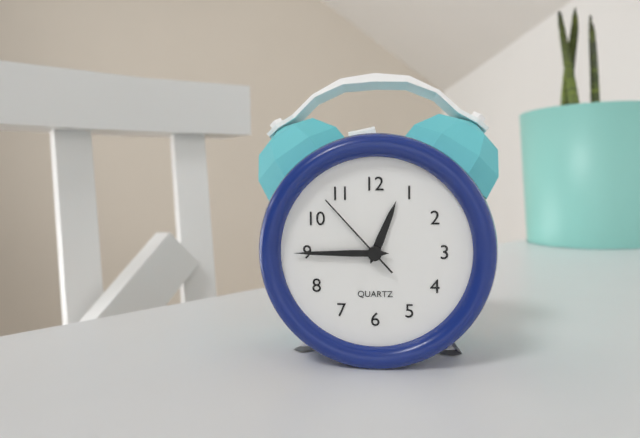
**12:45:53**
